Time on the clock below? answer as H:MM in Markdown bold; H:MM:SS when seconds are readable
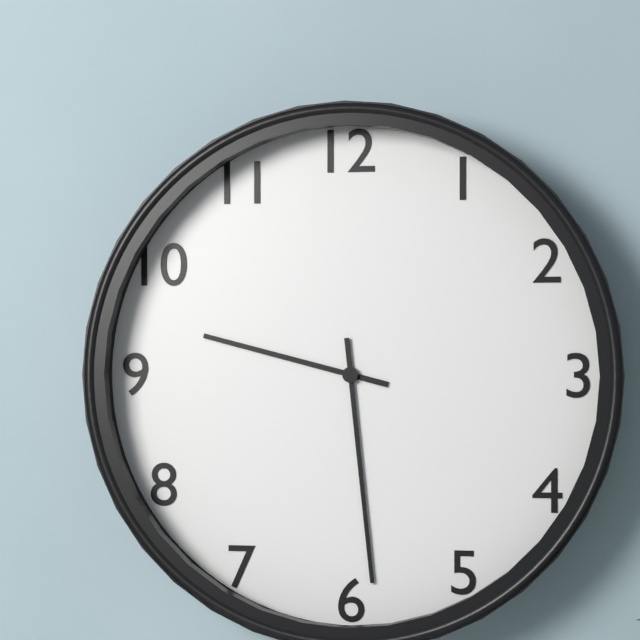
**9:29**
